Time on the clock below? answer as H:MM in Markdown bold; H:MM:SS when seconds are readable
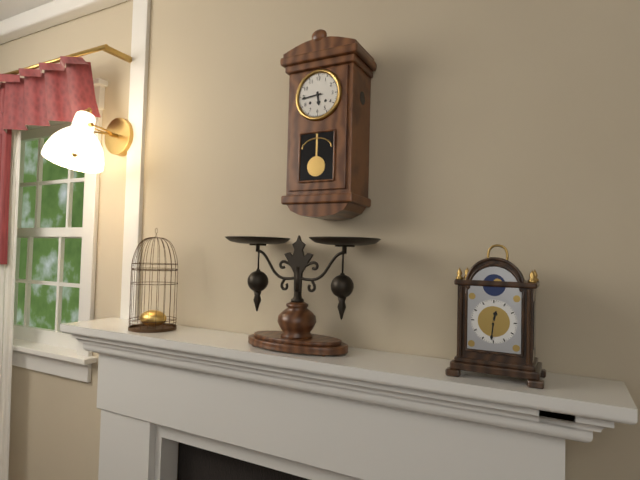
**5:44**
